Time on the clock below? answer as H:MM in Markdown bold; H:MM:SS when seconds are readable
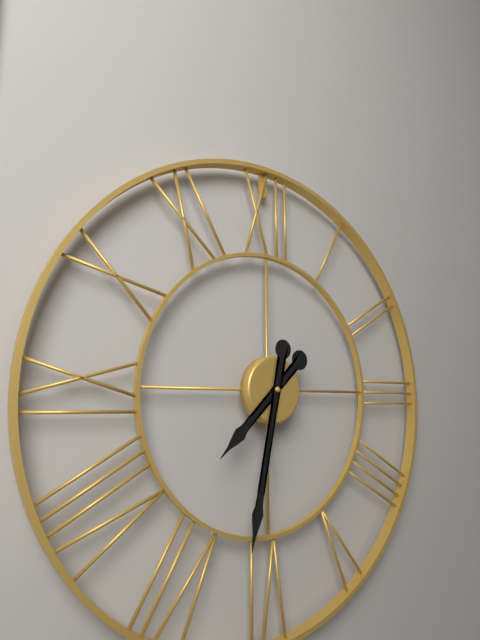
**7:32**
